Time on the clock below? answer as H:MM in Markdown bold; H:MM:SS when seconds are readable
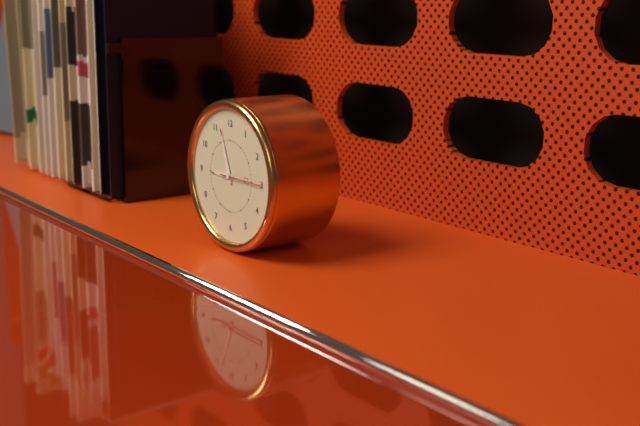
**8:57**
